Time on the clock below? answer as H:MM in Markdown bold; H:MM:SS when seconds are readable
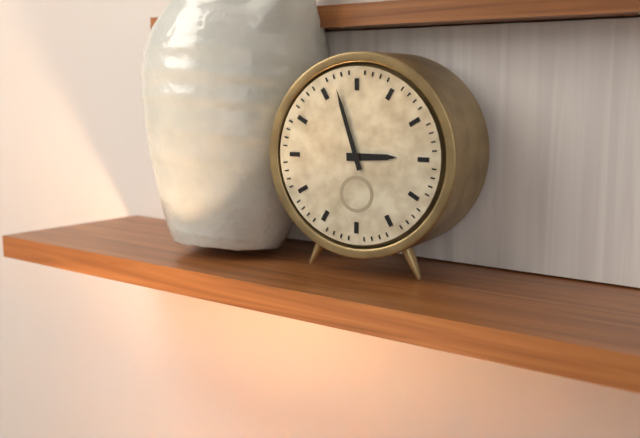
**2:57**
